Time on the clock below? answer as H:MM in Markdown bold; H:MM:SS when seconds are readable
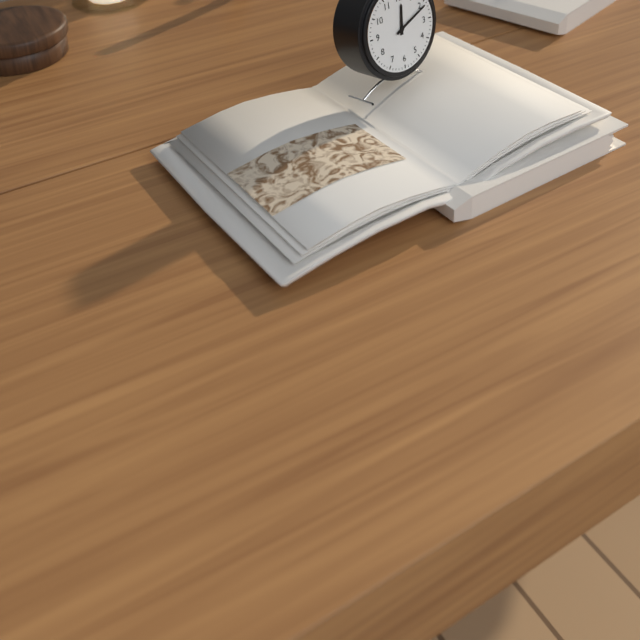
**12:11**
